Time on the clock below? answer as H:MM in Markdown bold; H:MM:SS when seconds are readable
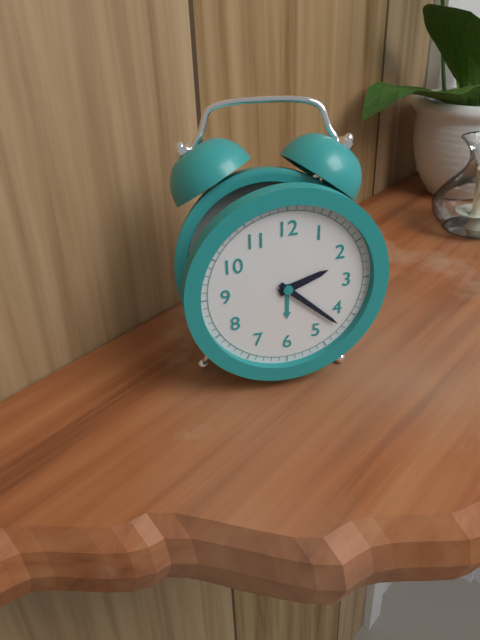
**2:22**
